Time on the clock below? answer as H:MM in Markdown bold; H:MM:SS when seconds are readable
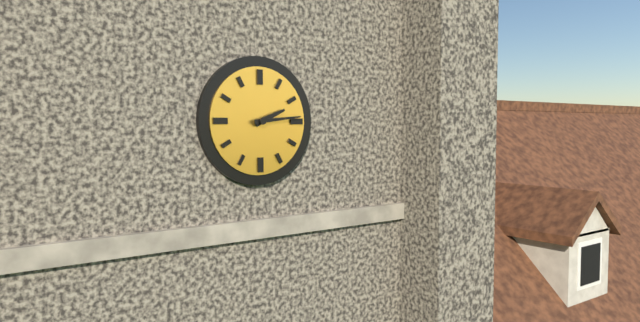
**2:14**
